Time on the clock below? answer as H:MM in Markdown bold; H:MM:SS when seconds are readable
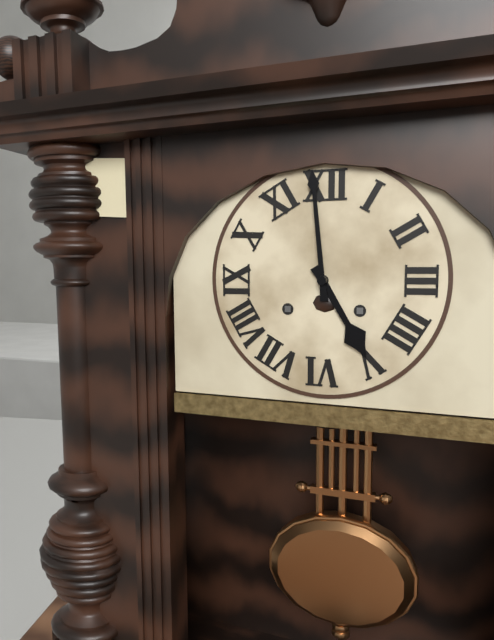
**4:59**
